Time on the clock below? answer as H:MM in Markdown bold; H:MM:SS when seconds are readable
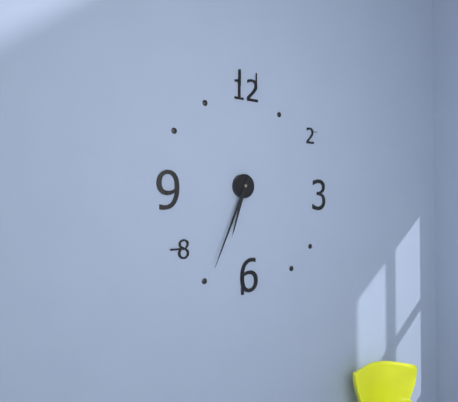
**6:34**
